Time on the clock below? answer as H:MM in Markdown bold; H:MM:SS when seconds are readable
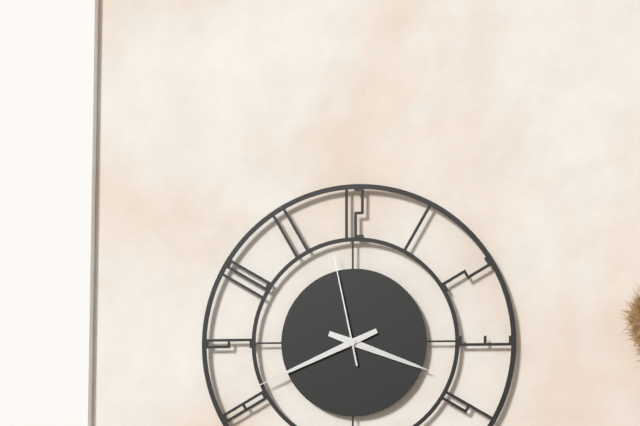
**3:41:58**
